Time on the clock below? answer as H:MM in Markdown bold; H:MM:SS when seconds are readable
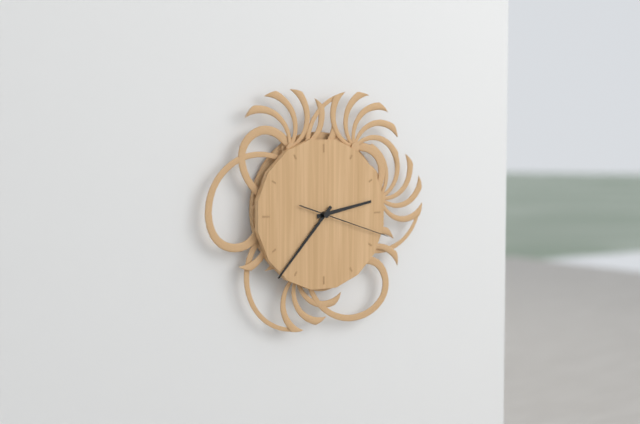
**2:37:18**
